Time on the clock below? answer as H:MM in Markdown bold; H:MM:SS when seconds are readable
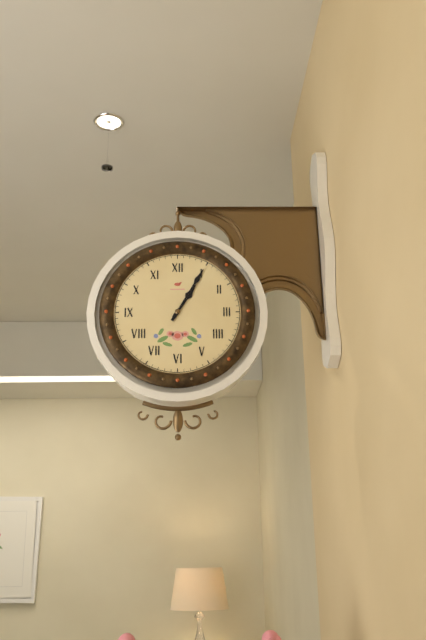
**1:05**
